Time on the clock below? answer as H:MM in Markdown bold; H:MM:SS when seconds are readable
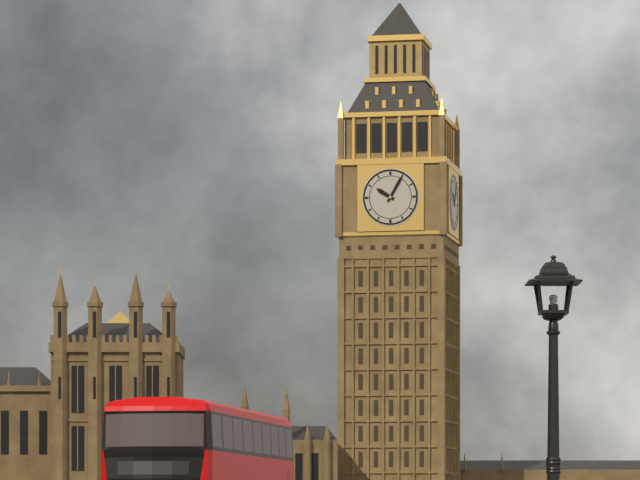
**10:05**
